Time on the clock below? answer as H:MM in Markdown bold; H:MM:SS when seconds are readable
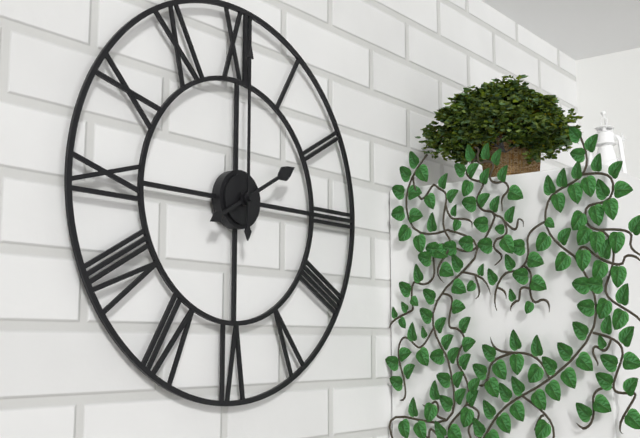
**2:00**
